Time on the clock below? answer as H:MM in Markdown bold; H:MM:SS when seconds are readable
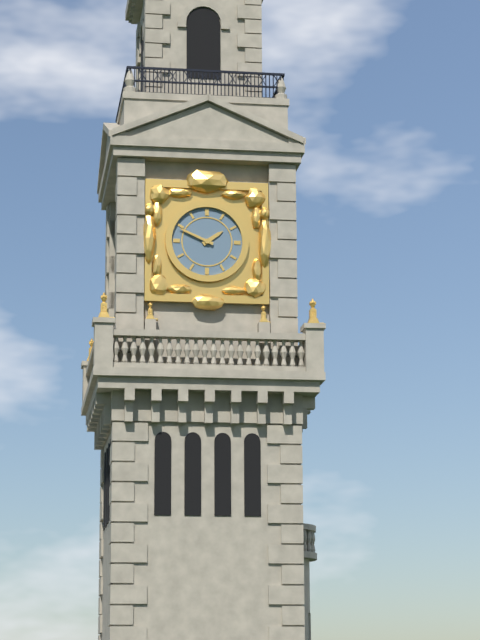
**1:49**
